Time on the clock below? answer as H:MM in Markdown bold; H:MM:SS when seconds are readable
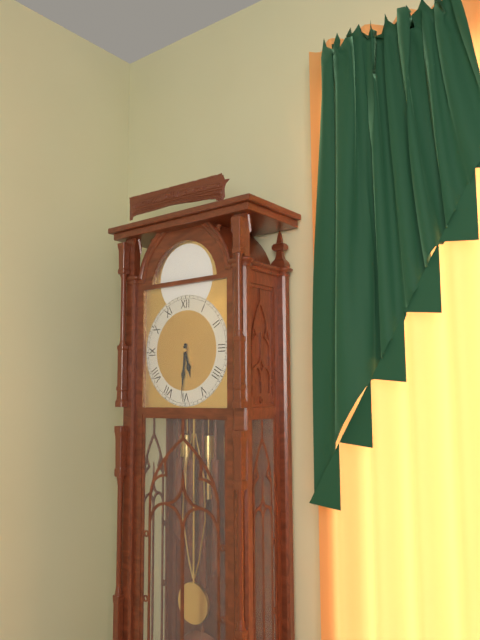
**5:31**
